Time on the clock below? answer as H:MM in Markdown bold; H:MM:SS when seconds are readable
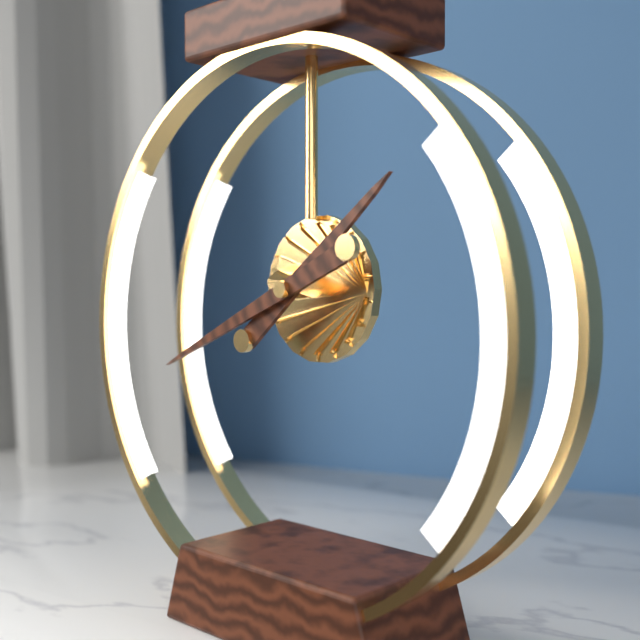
**1:41**
